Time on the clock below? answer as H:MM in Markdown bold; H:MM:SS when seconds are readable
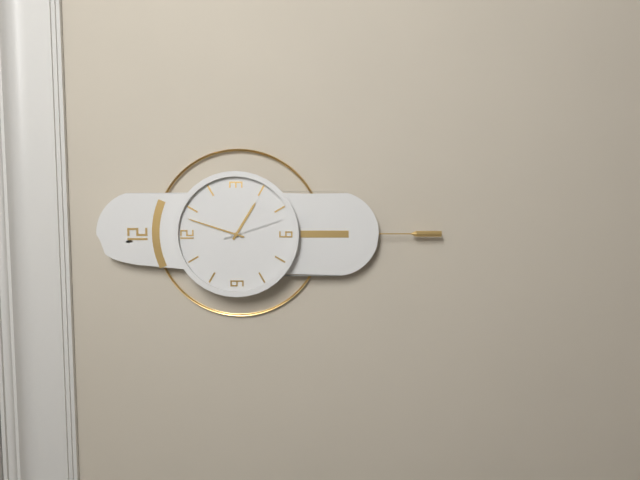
**4:03:27**
